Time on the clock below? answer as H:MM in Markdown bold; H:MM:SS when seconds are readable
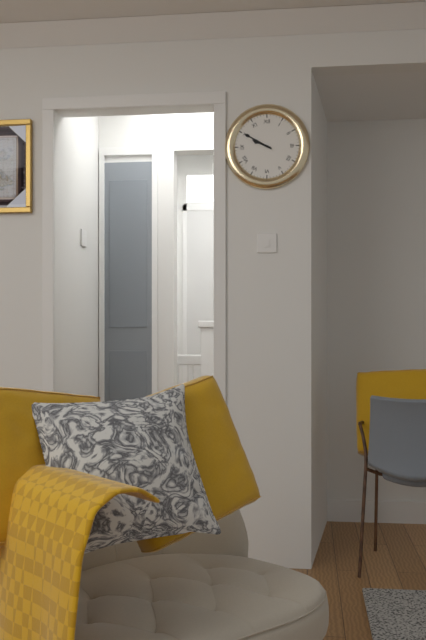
**9:50**
